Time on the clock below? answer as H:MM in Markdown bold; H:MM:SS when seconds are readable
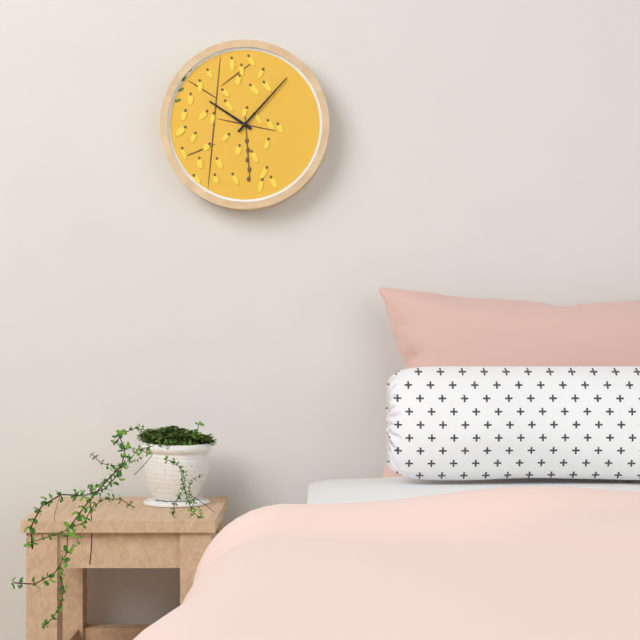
**10:07**
